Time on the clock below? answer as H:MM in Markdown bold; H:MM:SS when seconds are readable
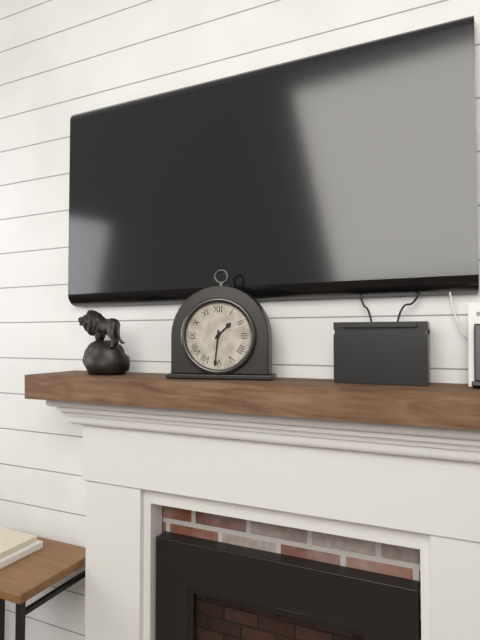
**1:31**
